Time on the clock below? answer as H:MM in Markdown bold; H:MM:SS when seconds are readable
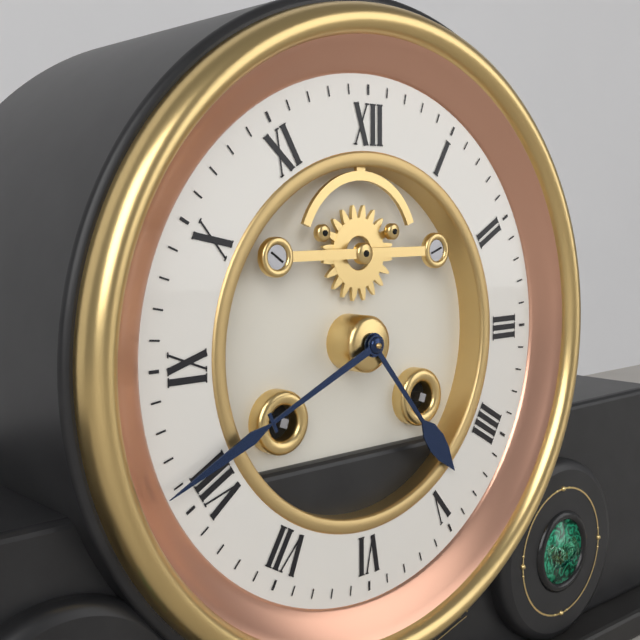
**4:41**
